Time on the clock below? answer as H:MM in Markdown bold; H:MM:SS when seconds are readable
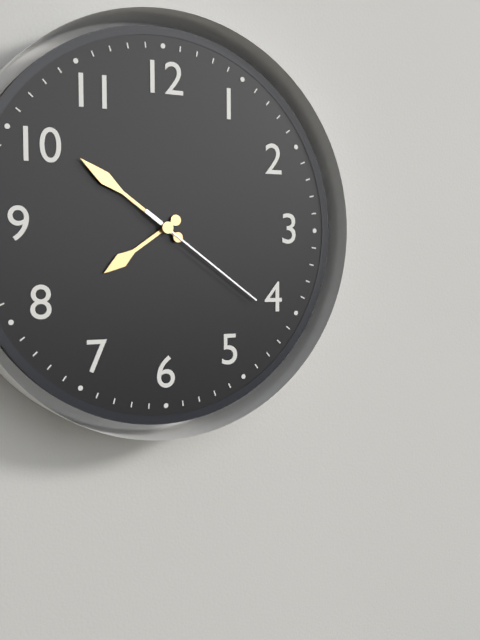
**7:51:21**
